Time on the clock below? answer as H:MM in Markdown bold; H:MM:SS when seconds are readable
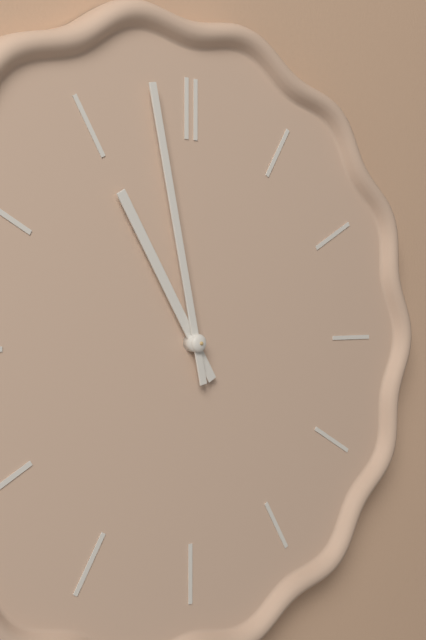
**10:58**
